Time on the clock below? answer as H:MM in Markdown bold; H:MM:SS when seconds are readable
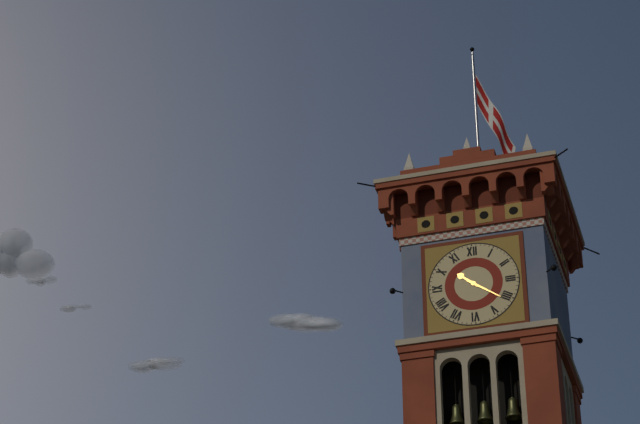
**10:21**
